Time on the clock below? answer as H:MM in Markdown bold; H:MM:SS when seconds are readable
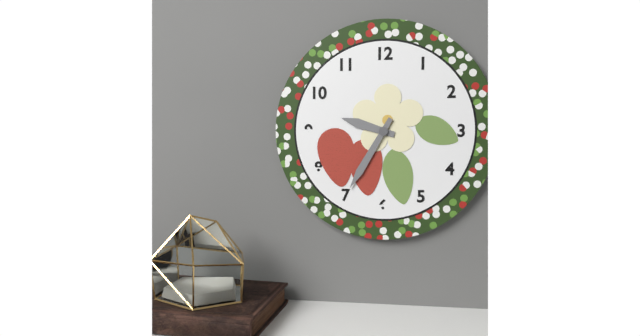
**9:35**
